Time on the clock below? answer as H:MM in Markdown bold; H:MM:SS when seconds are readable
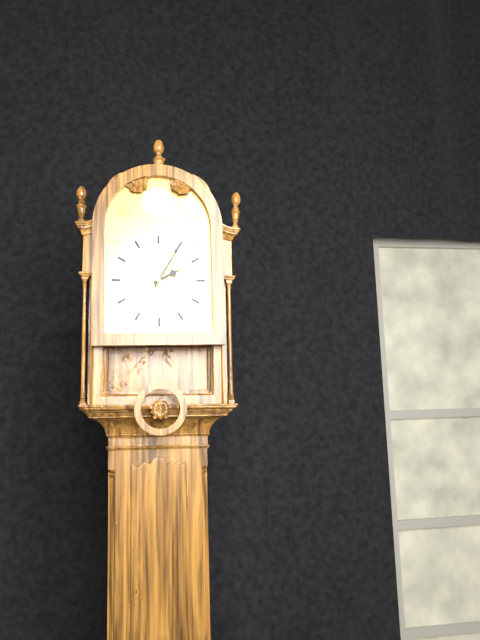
**2:05**
